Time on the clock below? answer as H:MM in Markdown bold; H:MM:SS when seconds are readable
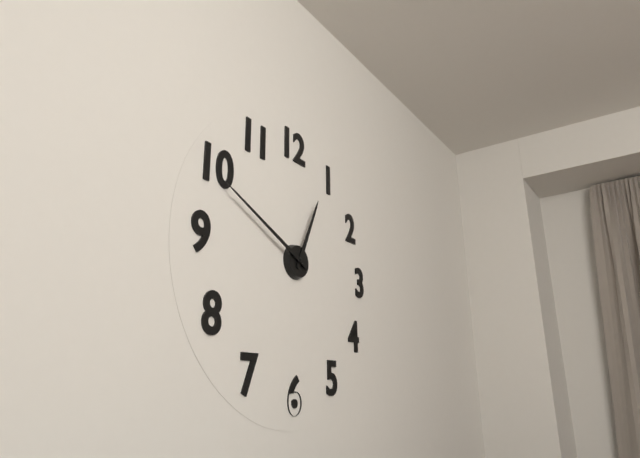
**12:49**
